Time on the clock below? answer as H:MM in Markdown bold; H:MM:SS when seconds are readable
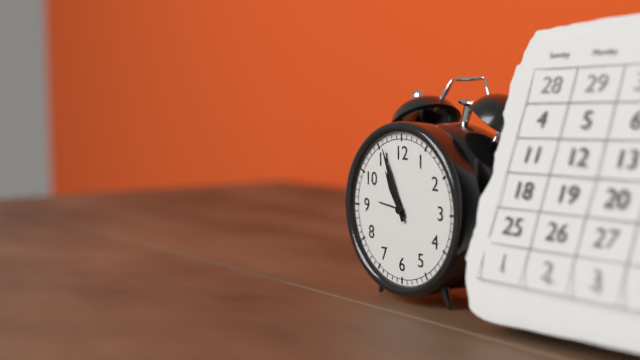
**10:56**
